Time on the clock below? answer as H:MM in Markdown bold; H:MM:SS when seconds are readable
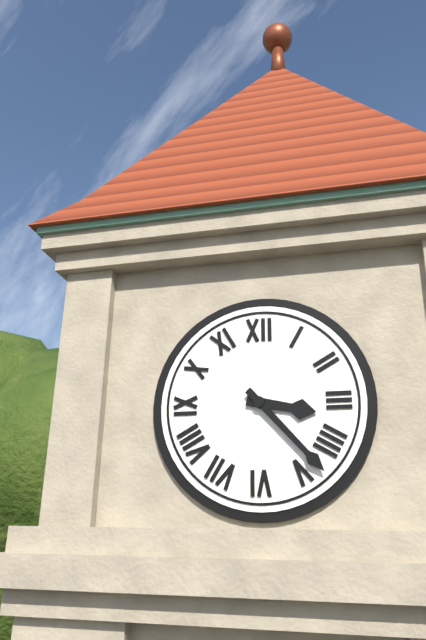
**3:23**
